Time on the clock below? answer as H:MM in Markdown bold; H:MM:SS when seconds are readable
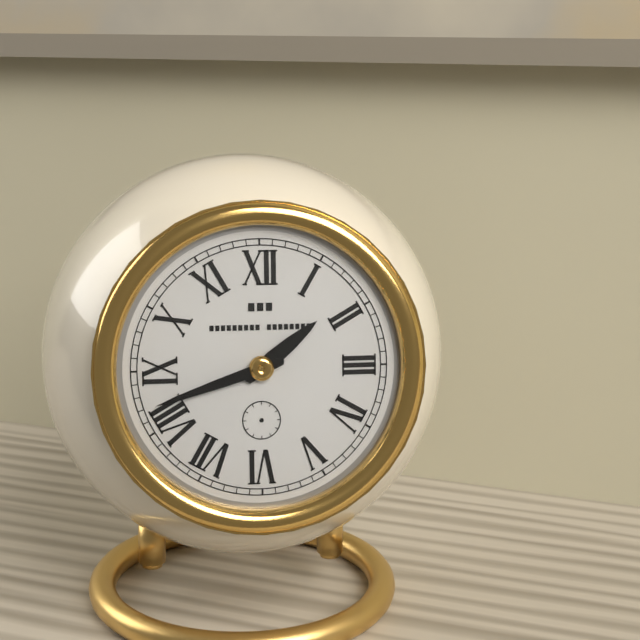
**1:42**
